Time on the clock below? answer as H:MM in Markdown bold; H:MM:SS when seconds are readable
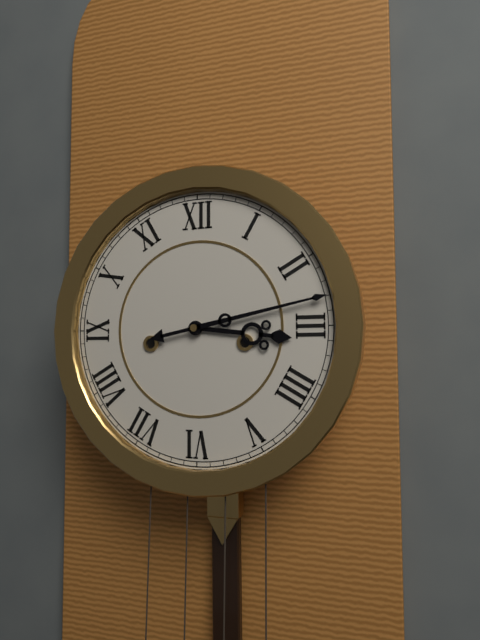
**3:13**
